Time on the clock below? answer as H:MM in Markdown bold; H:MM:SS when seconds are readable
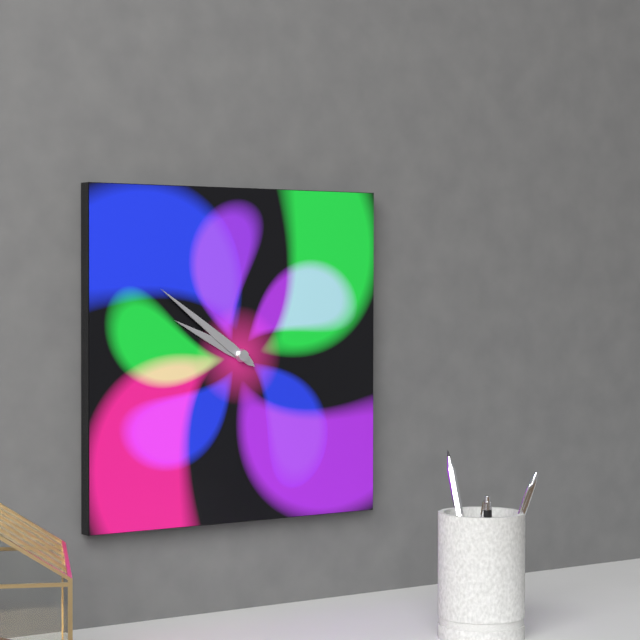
**9:51**
